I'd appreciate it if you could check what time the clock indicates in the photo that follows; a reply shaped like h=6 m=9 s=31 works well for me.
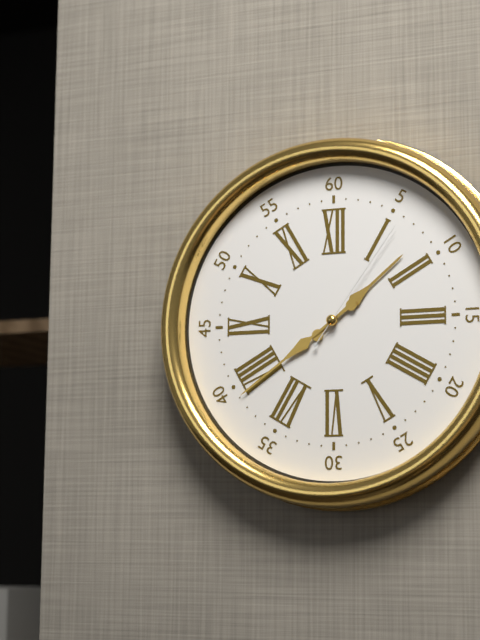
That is h=1 m=39 s=6
